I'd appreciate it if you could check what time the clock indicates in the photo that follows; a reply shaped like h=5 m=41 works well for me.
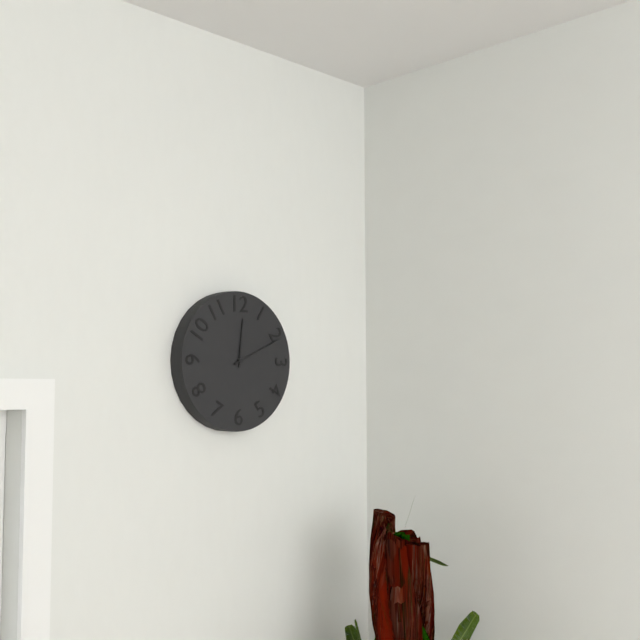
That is h=12 m=11
